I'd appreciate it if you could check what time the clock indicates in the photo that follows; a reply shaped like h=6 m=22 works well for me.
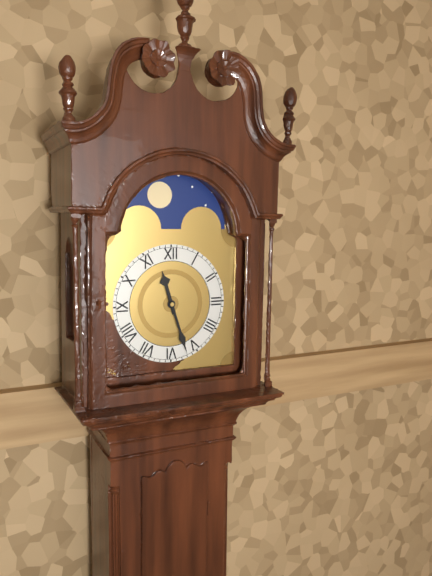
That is h=11 m=27
